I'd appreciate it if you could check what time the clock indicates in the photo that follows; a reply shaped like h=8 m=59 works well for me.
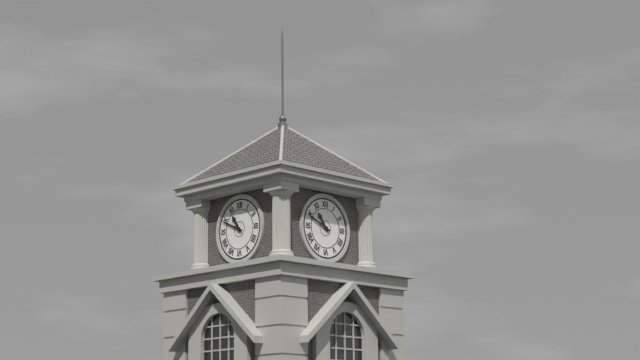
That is h=10 m=49
